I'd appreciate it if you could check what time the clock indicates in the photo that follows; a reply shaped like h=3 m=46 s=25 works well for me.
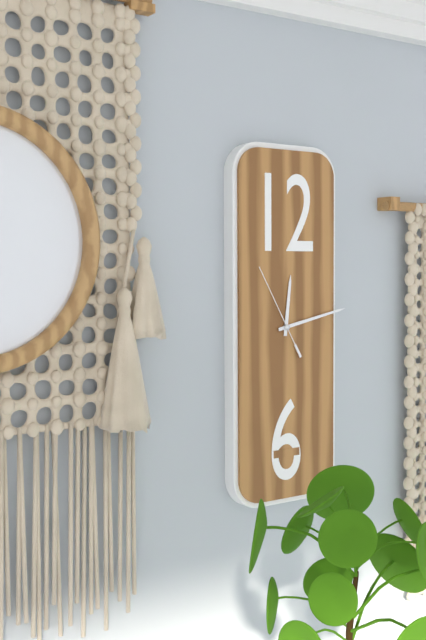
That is h=12 m=13 s=55
